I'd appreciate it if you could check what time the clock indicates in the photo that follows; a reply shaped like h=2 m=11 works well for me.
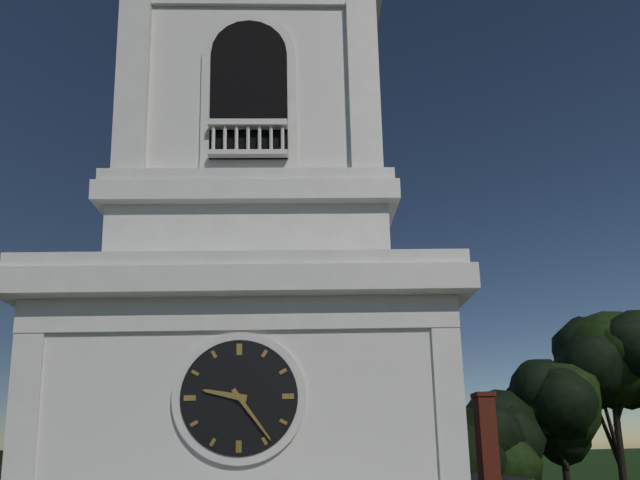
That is h=9 m=24
